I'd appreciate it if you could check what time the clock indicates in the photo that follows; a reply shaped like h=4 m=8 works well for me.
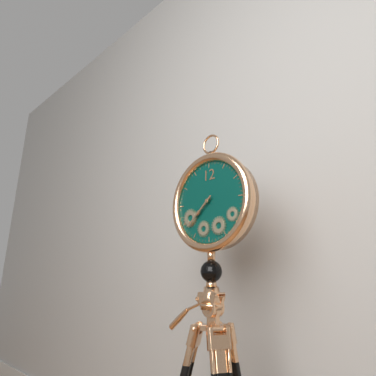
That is h=7 m=38
